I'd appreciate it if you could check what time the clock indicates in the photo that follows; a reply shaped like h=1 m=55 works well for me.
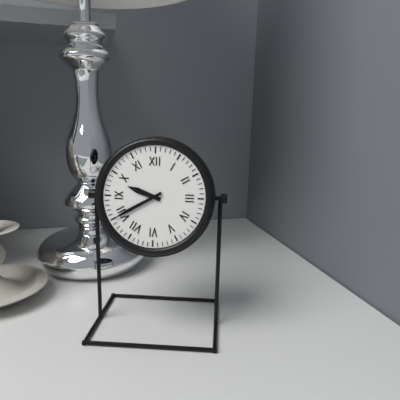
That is h=9 m=40
